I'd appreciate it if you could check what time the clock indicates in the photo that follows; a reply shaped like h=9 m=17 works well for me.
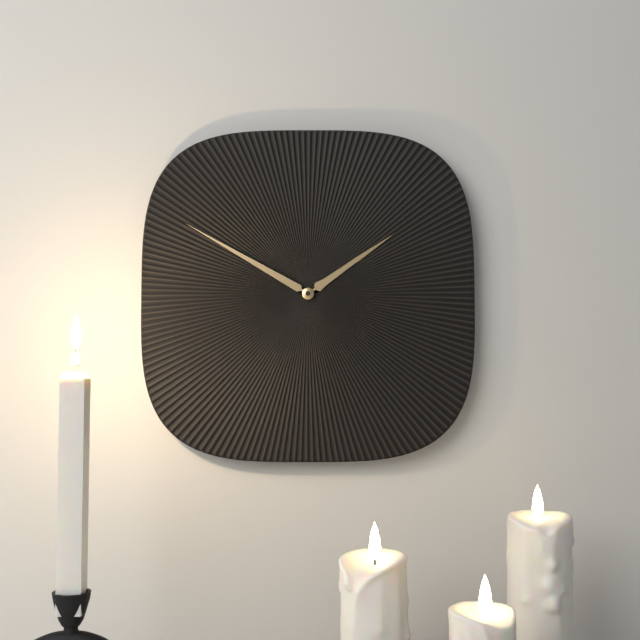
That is h=1 m=50
